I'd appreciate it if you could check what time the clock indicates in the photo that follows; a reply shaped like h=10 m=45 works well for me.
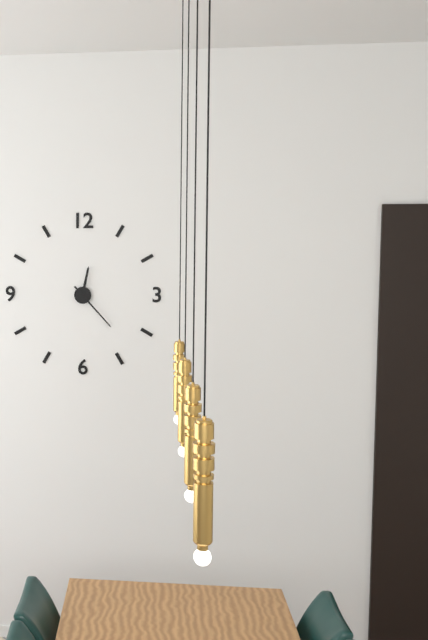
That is h=12 m=23
